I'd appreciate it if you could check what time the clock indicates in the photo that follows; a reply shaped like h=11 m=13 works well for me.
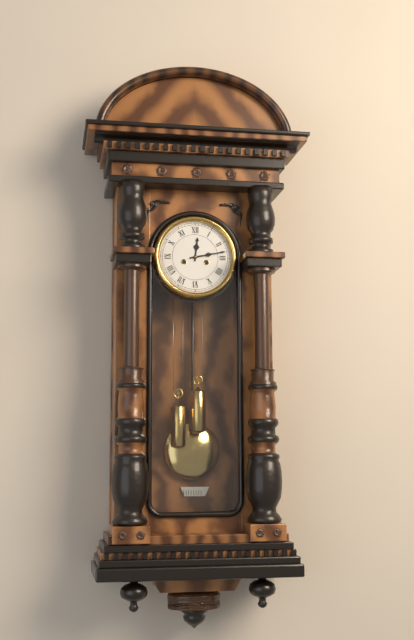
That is h=12 m=13
